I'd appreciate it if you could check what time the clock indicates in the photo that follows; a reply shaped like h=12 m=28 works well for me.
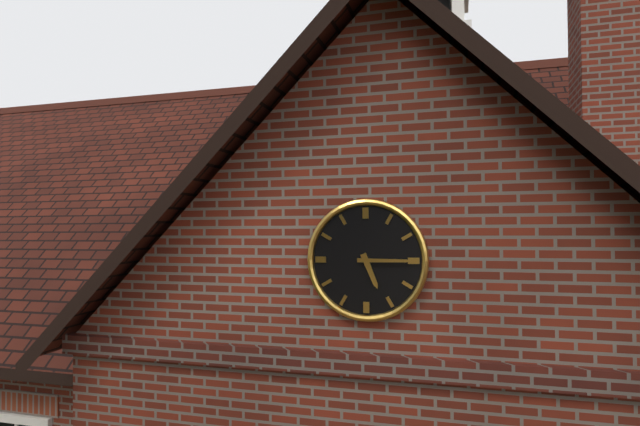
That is h=5 m=15
